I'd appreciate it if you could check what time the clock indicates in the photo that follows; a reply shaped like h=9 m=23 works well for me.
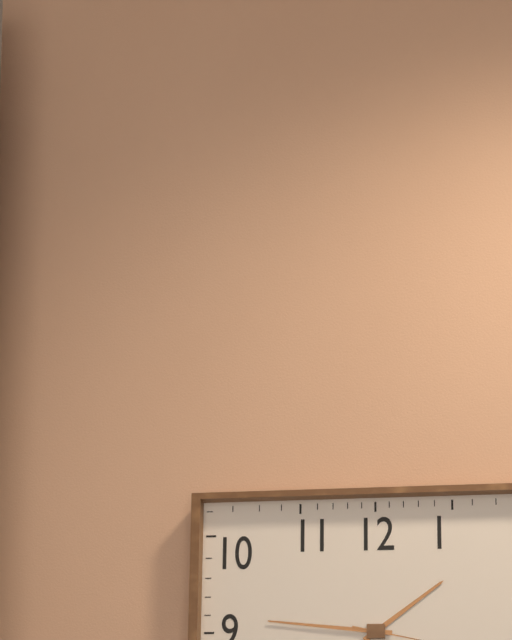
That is h=1 m=46
